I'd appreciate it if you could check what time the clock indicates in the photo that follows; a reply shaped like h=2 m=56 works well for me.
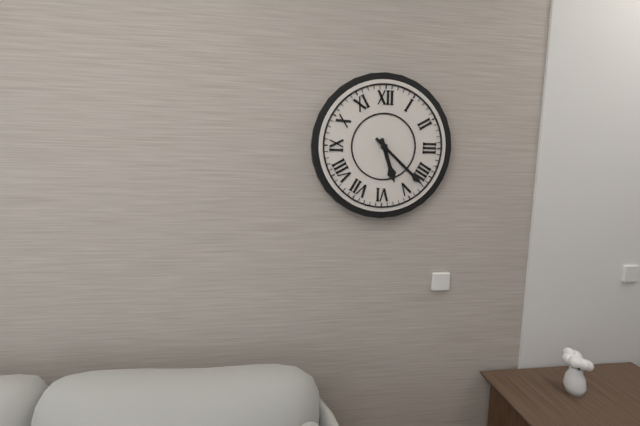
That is h=5 m=22
